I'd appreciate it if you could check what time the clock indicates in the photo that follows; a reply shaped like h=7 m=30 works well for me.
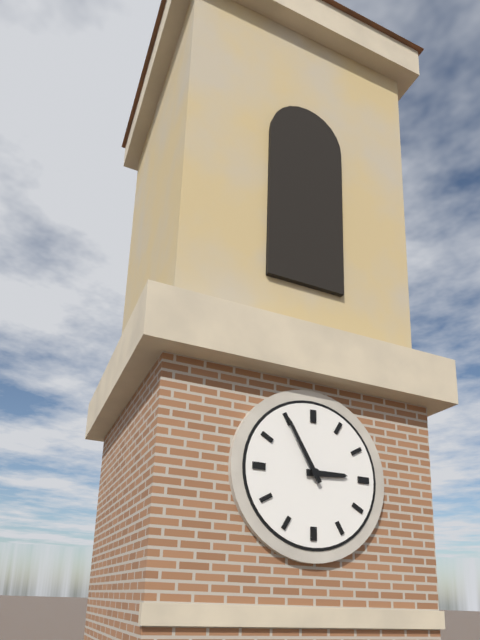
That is h=2 m=55
